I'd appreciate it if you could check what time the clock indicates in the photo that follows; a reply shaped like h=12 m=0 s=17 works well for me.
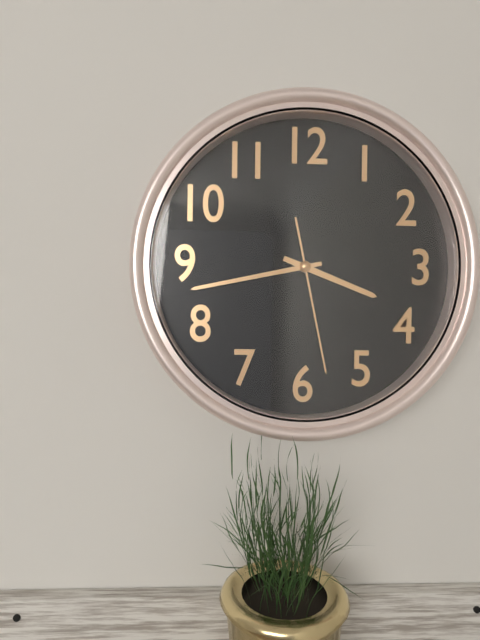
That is h=3 m=43 s=28
